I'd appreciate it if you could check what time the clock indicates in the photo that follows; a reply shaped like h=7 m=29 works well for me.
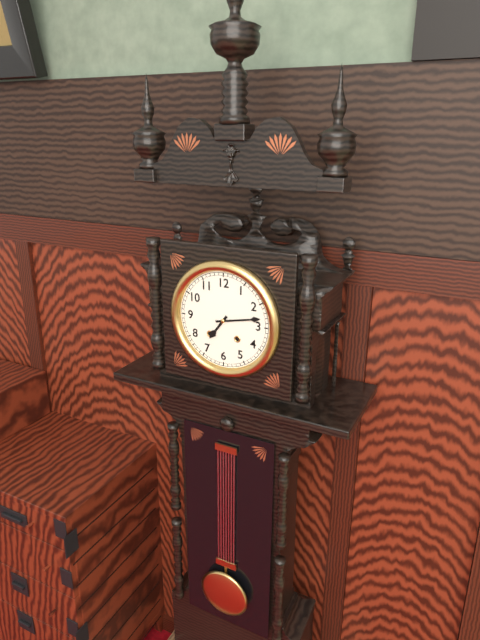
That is h=7 m=13
